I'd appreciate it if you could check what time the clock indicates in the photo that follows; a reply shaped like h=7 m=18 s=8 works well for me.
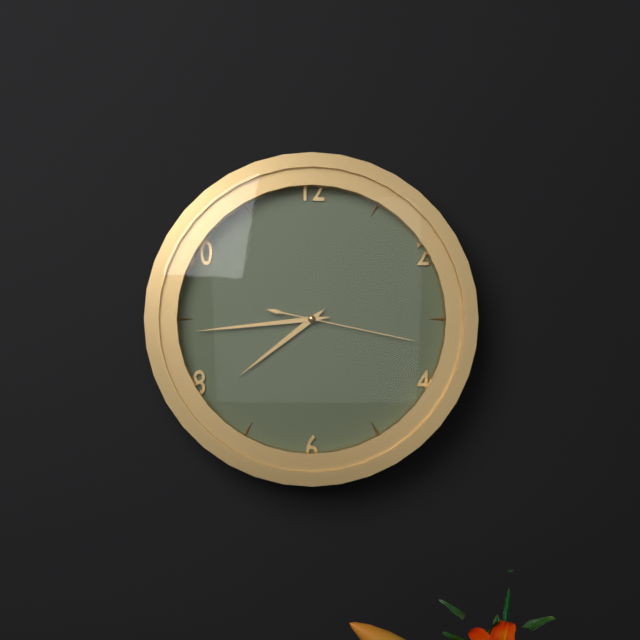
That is h=7 m=44 s=17
